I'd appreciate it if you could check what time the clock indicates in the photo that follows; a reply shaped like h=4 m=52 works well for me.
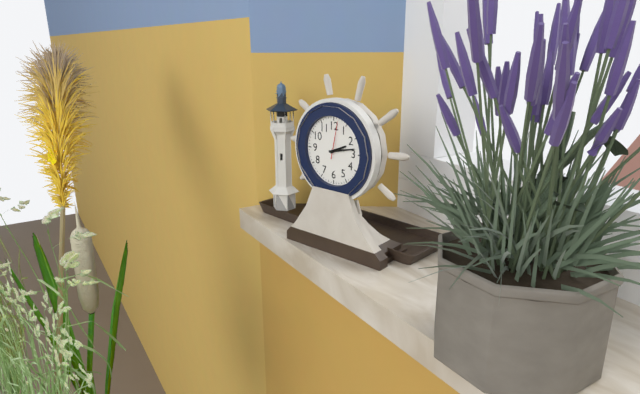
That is h=2 m=13
